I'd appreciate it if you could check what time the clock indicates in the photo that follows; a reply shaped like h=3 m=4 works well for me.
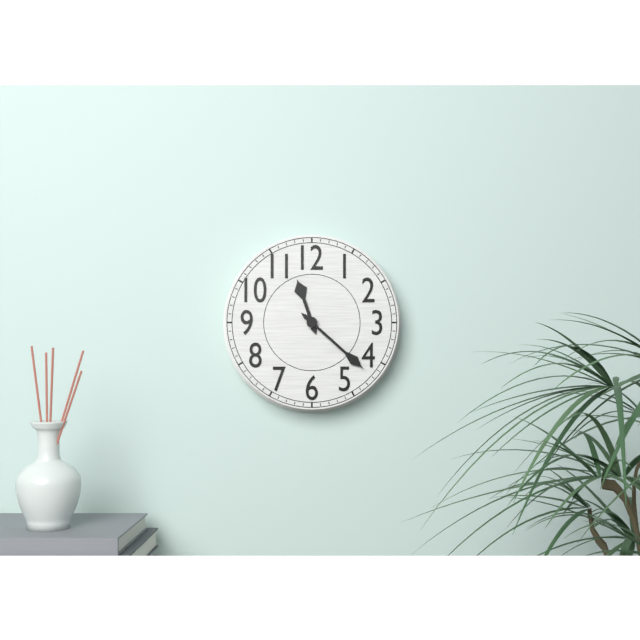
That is h=11 m=22
